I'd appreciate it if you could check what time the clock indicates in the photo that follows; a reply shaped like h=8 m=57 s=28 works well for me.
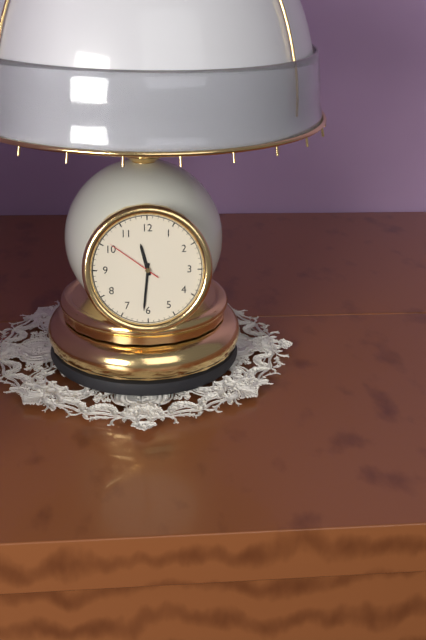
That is h=11 m=31 s=51
